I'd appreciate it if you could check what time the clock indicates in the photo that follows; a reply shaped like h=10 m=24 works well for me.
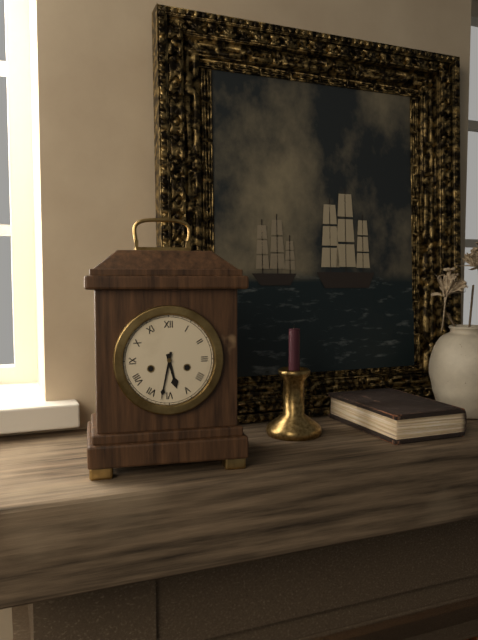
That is h=5 m=32
